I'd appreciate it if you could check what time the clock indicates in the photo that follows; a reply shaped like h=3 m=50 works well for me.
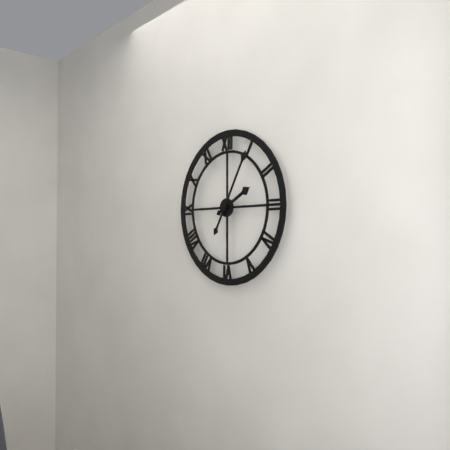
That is h=2 m=5
